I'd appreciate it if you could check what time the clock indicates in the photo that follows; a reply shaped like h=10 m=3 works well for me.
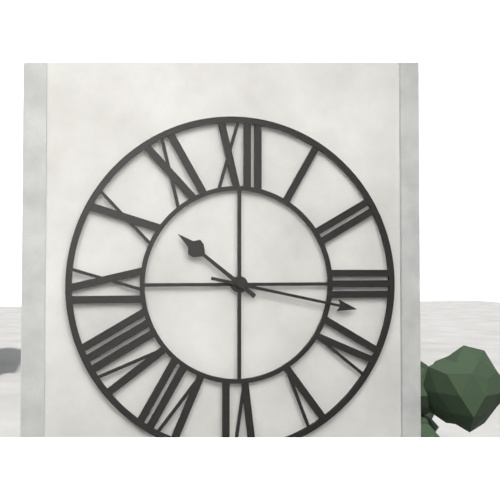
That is h=10 m=17
